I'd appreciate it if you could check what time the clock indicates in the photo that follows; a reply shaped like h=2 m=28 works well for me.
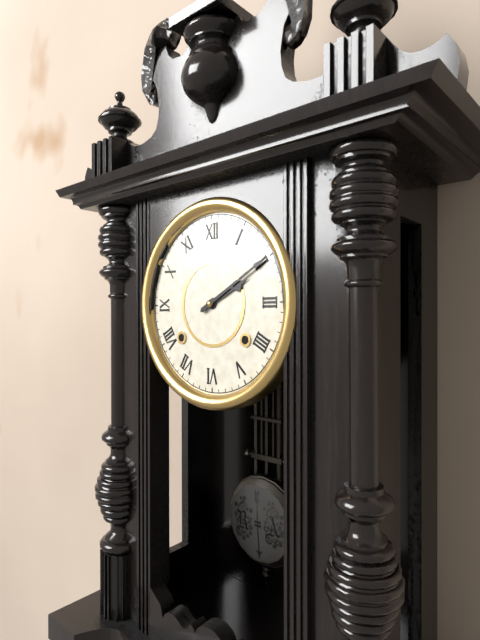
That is h=2 m=10
